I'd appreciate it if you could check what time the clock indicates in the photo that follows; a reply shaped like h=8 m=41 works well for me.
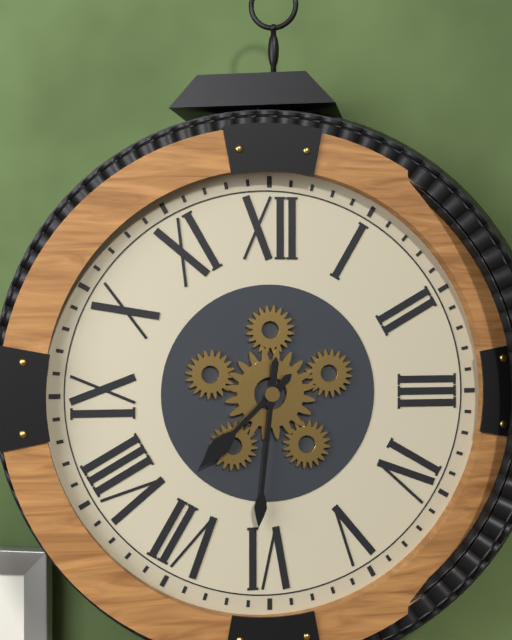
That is h=7 m=31
